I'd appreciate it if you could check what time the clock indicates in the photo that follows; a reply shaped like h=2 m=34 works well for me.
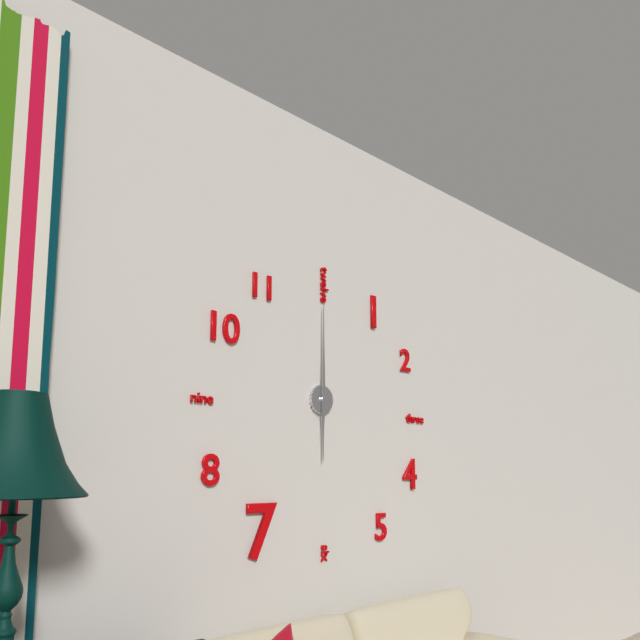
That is h=6 m=0
